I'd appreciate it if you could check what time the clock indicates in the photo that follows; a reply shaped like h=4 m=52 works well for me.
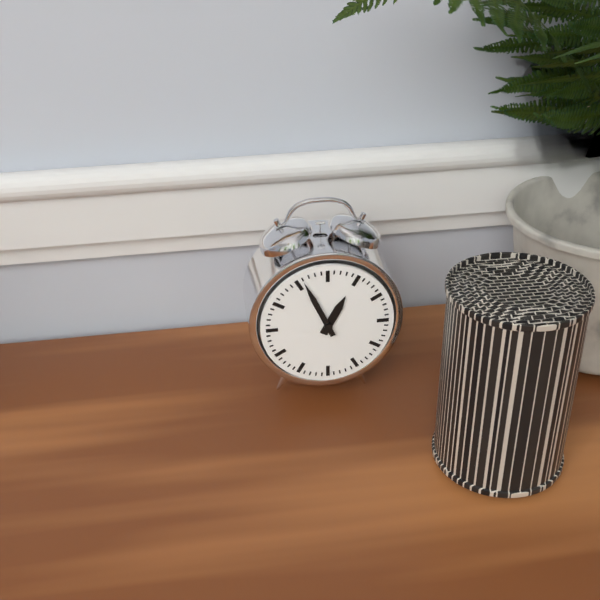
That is h=12 m=56
